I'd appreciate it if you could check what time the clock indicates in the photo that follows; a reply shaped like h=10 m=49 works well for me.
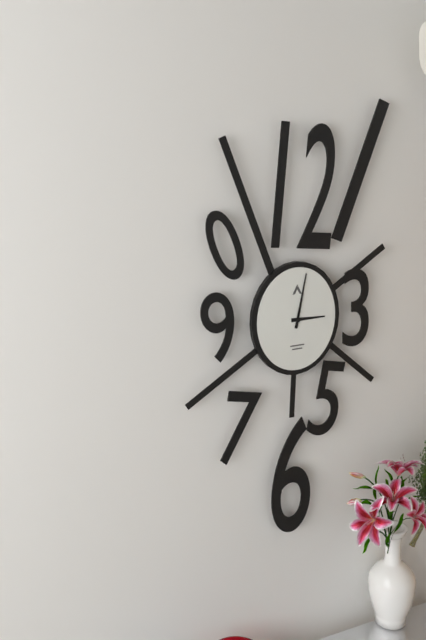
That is h=3 m=2
